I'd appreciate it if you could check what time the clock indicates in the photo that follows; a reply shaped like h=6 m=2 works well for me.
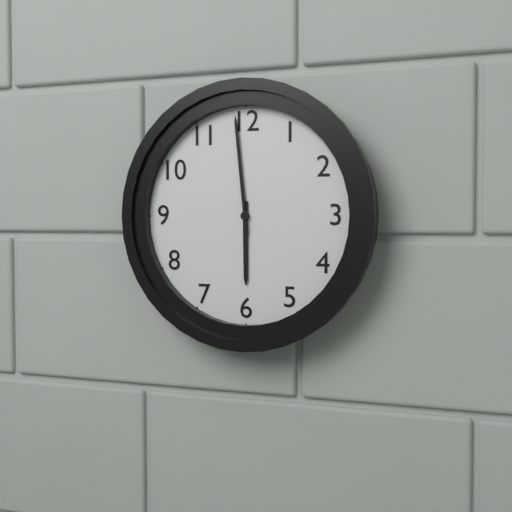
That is h=5 m=59
